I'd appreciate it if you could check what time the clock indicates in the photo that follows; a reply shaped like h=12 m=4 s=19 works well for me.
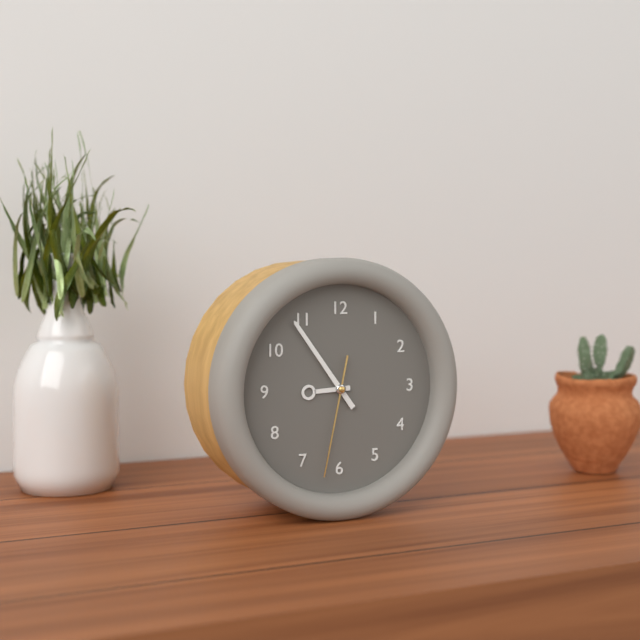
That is h=8 m=54 s=32
